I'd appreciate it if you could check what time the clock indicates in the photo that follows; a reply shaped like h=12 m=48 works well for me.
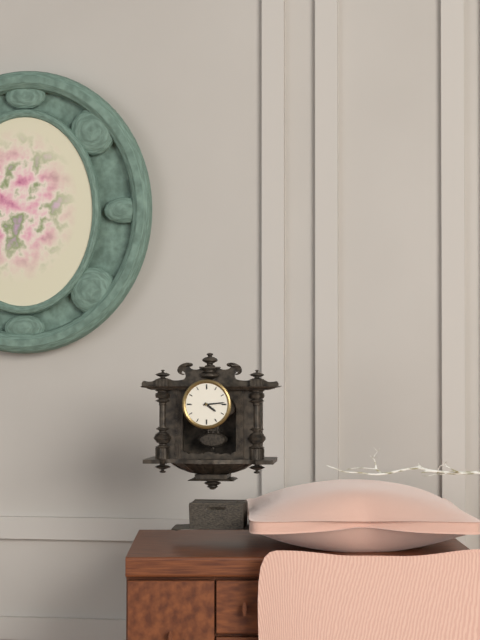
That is h=4 m=14
